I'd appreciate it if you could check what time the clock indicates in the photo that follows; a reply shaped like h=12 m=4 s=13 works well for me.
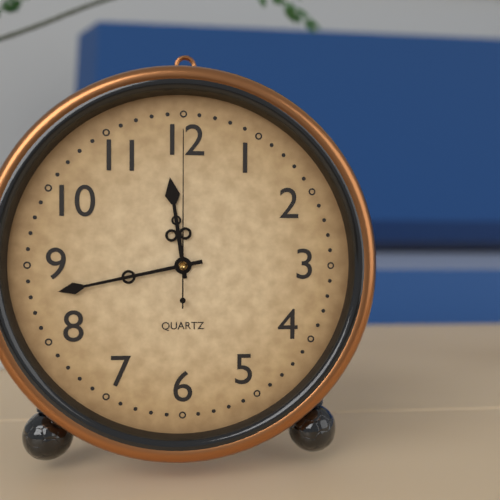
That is h=11 m=43 s=0
